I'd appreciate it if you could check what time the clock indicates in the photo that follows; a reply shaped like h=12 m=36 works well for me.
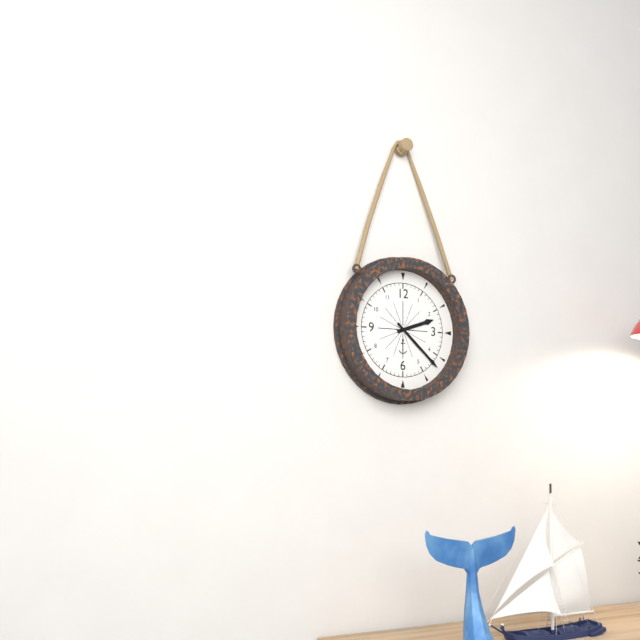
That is h=2 m=22
